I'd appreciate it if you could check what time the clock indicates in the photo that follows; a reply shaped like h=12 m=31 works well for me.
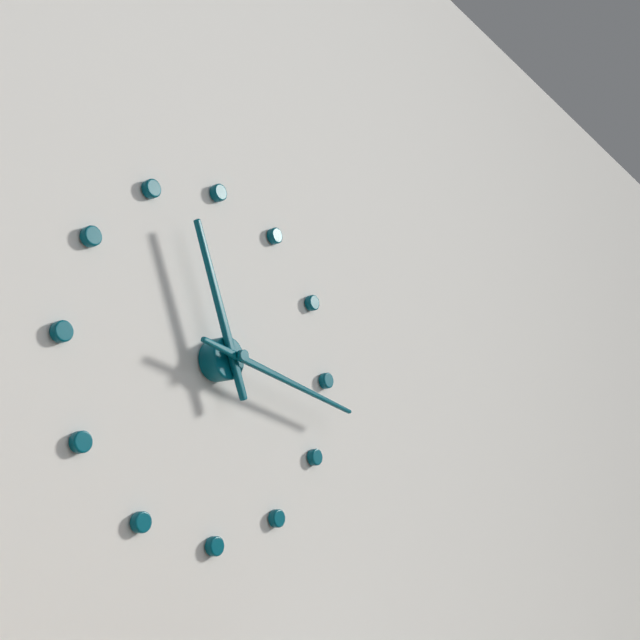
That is h=11 m=17
